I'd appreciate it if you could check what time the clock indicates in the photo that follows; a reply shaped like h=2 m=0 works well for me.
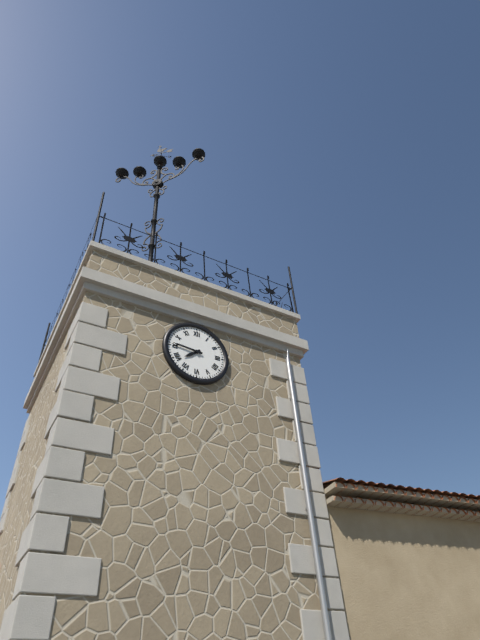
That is h=7 m=46
